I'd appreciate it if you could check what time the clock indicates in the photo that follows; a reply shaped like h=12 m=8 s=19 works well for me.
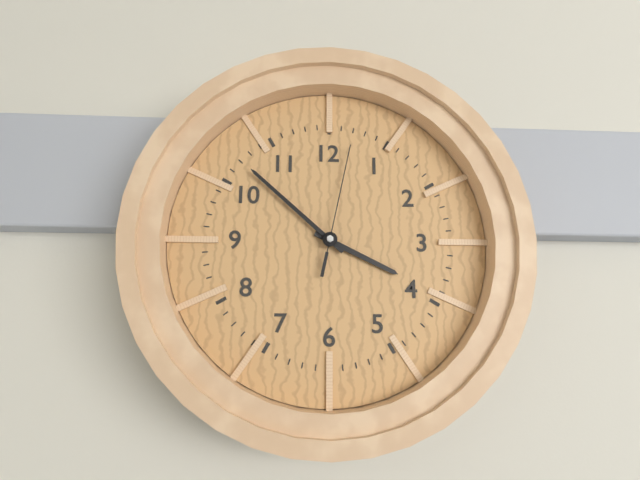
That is h=3 m=52 s=2
